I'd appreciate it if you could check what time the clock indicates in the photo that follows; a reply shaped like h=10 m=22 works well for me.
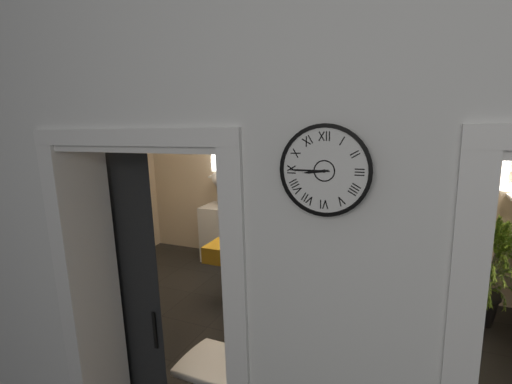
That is h=8 m=45
